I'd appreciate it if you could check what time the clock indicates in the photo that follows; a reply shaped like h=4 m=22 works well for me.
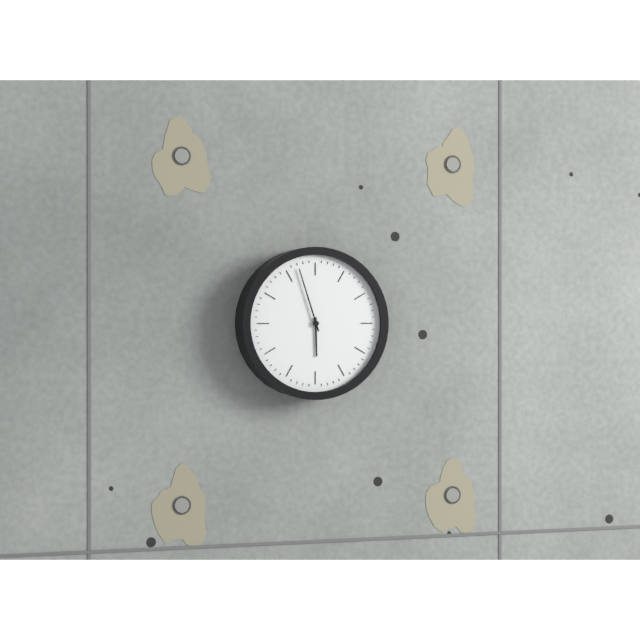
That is h=5 m=57
